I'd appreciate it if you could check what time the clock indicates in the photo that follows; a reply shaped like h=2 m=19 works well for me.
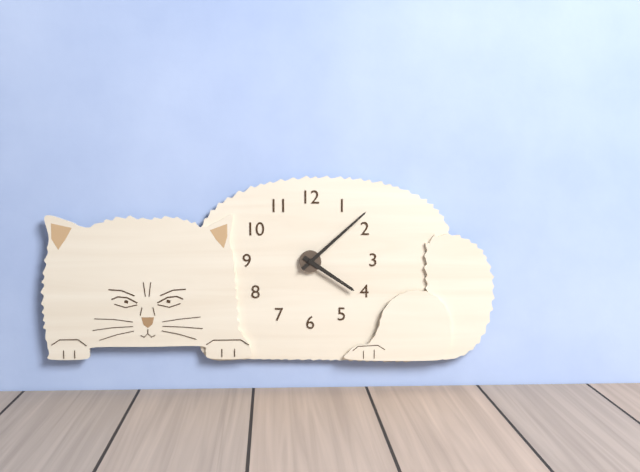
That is h=4 m=8
